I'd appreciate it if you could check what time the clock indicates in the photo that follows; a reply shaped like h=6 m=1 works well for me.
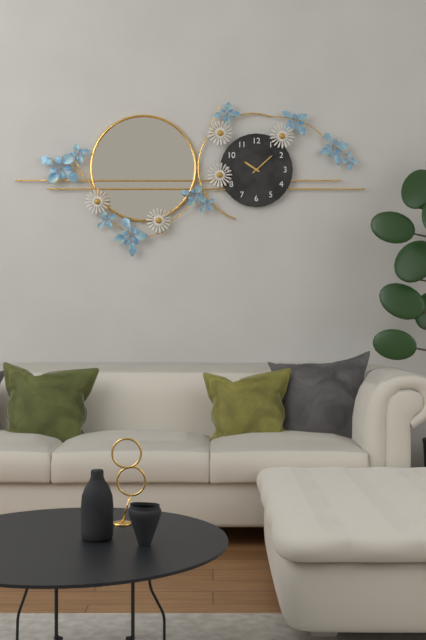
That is h=10 m=8
